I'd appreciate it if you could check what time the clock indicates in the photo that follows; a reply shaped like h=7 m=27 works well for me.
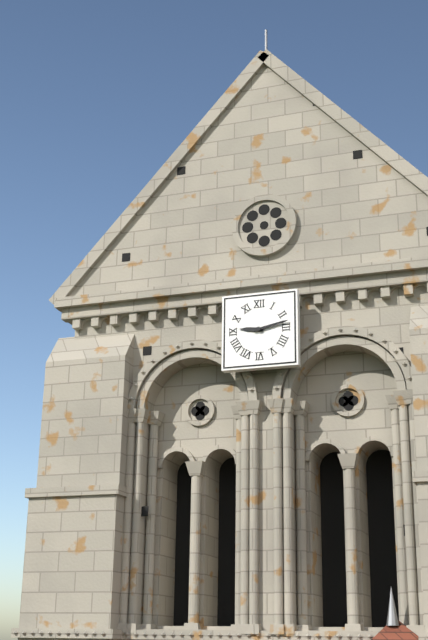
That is h=9 m=13
